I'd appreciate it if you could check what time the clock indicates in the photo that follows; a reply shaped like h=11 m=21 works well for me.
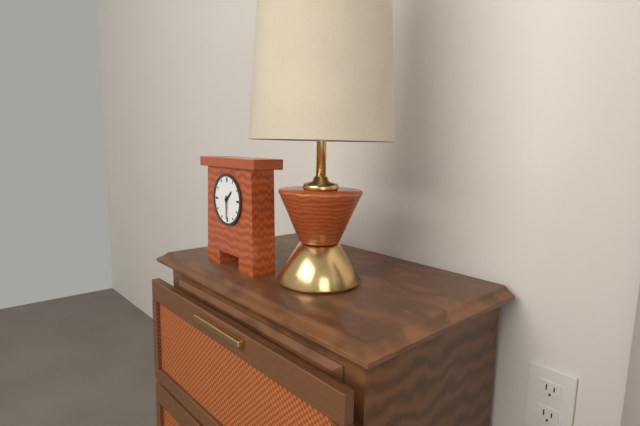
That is h=1 m=30
